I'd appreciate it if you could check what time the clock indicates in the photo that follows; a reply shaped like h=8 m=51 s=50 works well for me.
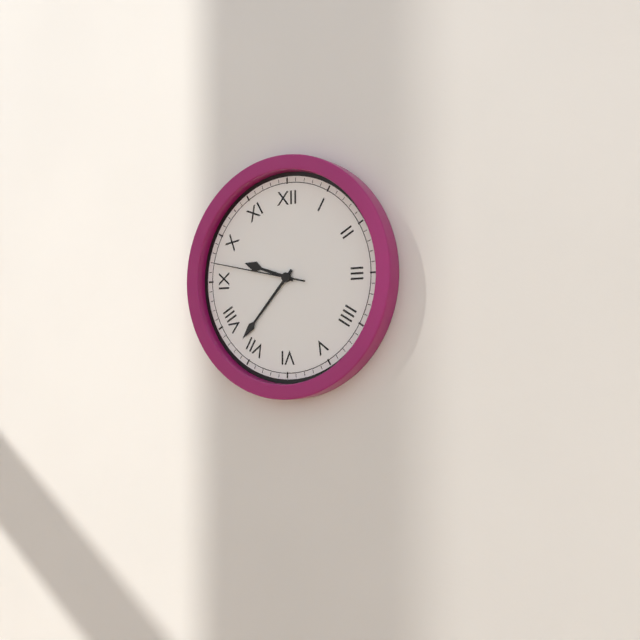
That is h=9 m=37 s=47
